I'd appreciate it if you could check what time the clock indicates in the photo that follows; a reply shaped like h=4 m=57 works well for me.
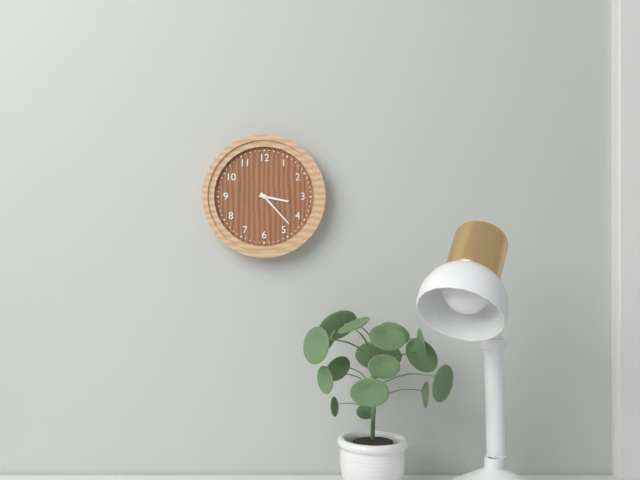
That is h=3 m=23
